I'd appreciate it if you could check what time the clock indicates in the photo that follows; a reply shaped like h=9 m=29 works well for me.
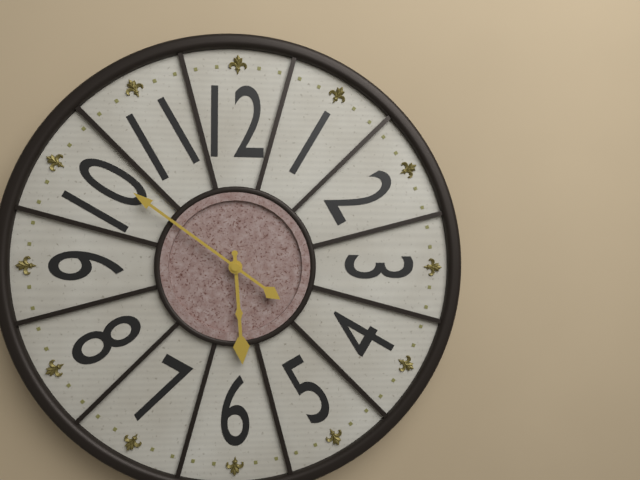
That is h=5 m=51
